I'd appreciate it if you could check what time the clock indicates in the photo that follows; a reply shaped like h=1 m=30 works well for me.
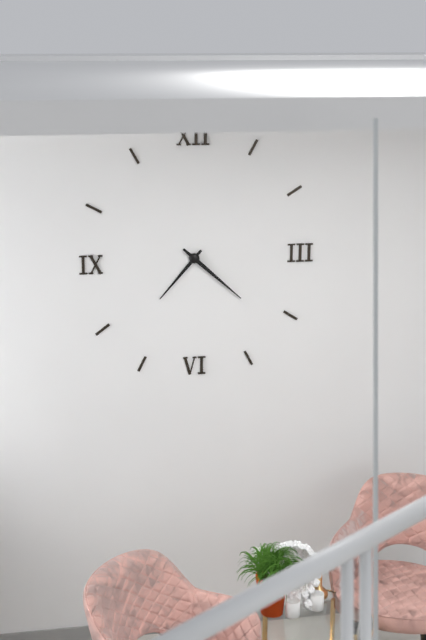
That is h=7 m=22
